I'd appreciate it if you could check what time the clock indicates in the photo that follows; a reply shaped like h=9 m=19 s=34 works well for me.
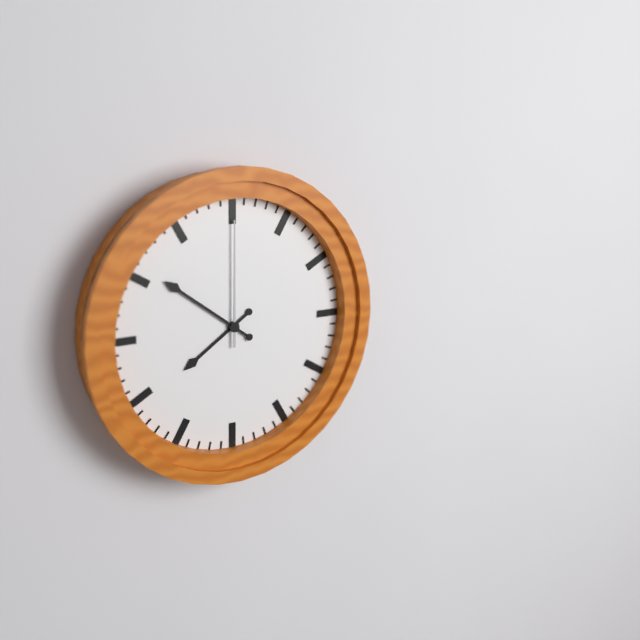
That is h=7 m=51 s=0
